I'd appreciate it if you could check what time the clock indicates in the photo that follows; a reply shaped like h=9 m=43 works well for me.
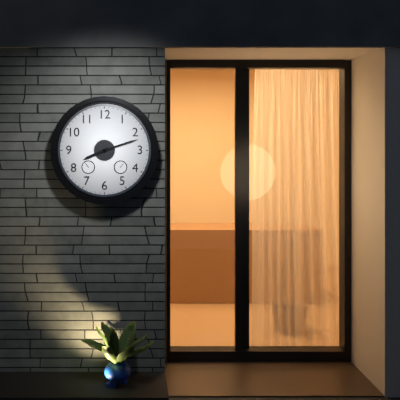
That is h=8 m=12
